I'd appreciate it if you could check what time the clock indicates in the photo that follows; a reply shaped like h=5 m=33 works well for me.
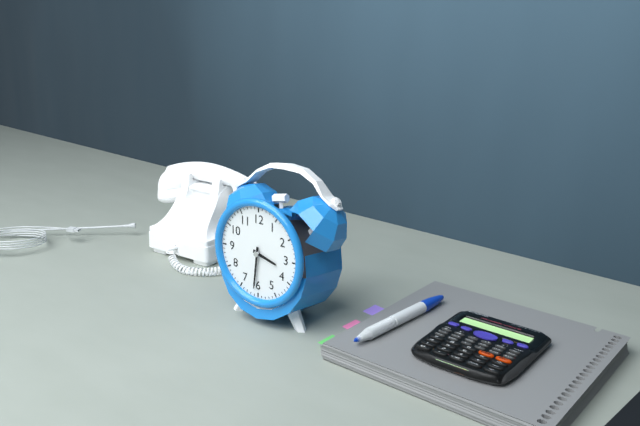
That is h=3 m=31
